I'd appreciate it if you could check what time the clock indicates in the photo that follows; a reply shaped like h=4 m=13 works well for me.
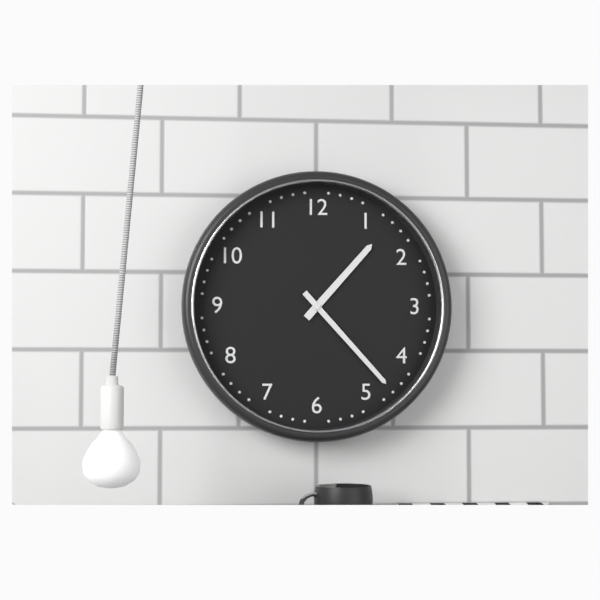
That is h=1 m=23
